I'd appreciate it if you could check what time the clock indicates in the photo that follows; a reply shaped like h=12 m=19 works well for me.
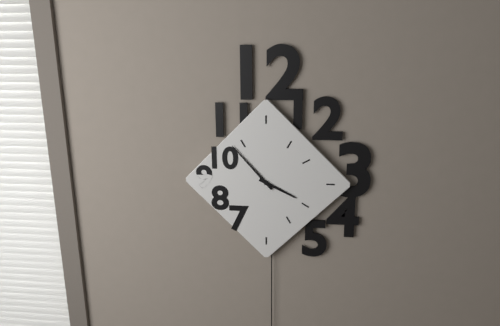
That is h=3 m=53
